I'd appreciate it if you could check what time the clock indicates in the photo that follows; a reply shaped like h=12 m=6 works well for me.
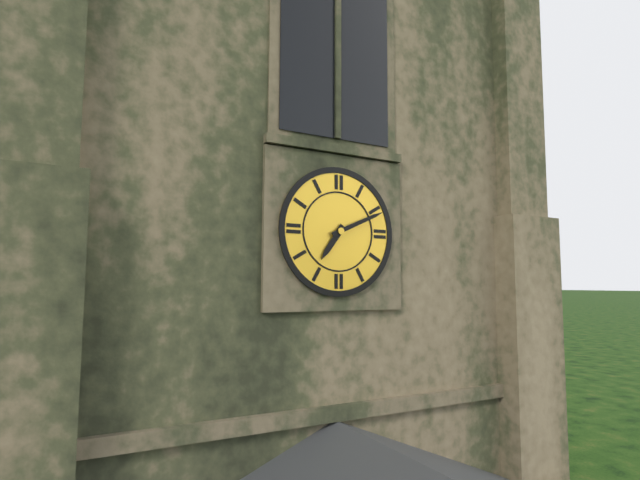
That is h=7 m=11
